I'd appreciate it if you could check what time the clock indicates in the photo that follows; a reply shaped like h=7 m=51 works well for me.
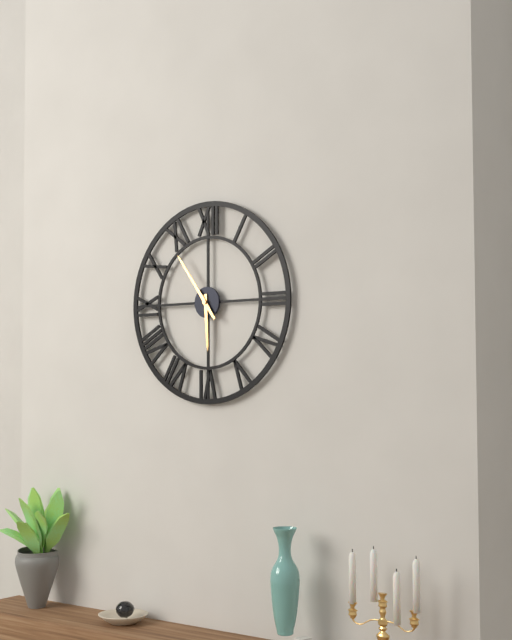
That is h=5 m=54
